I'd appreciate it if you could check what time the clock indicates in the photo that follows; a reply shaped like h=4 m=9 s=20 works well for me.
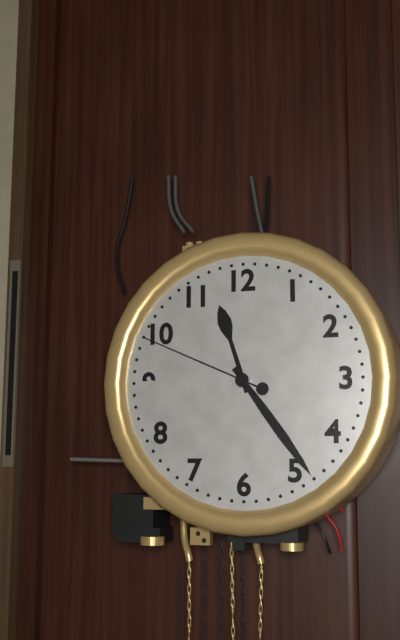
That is h=11 m=24 s=49
